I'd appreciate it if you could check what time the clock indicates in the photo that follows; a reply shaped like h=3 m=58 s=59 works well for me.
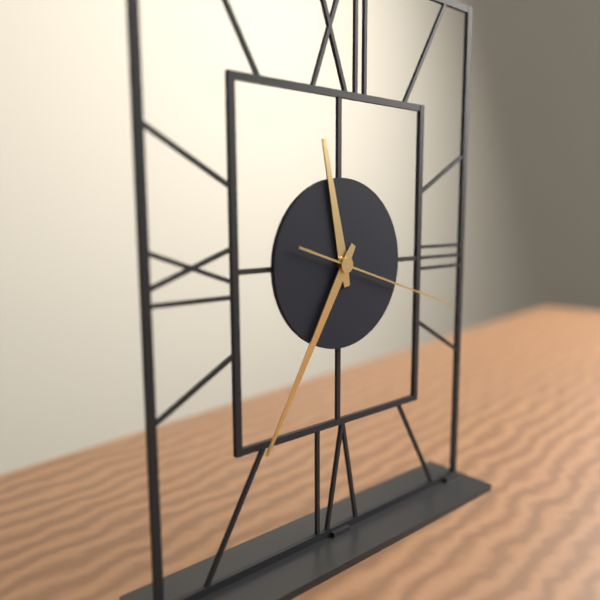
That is h=11 m=35 s=18
